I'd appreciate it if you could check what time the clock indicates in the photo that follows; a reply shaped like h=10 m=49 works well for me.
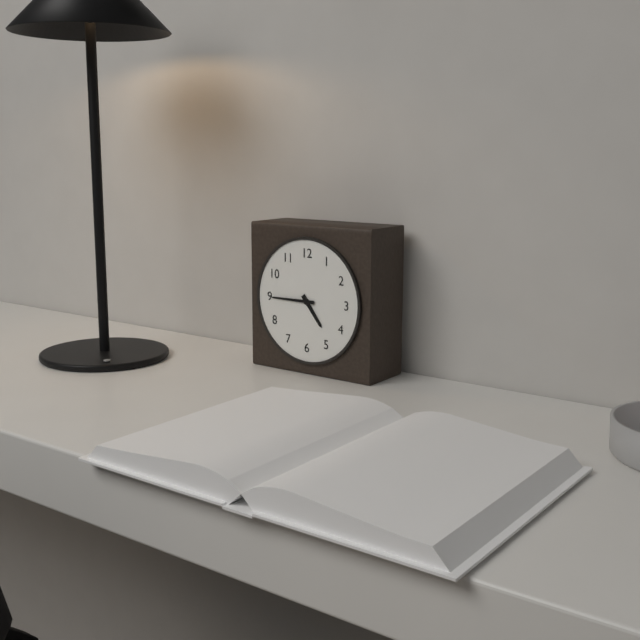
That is h=4 m=45
